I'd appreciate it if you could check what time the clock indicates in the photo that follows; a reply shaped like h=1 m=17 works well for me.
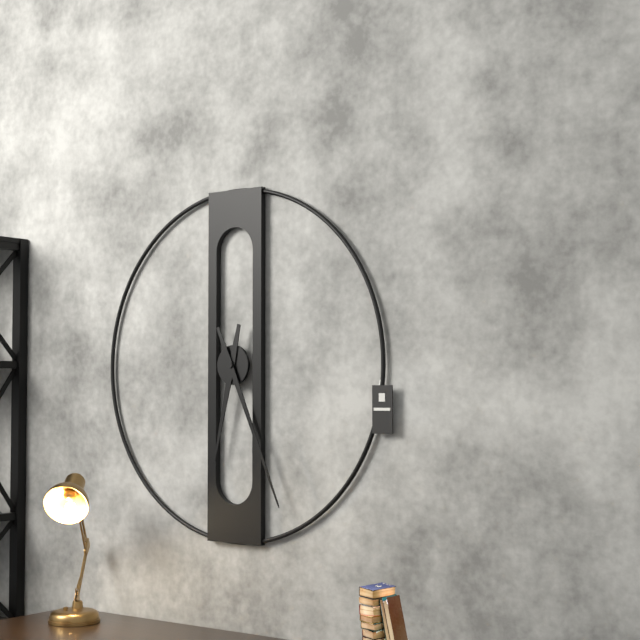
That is h=6 m=26
